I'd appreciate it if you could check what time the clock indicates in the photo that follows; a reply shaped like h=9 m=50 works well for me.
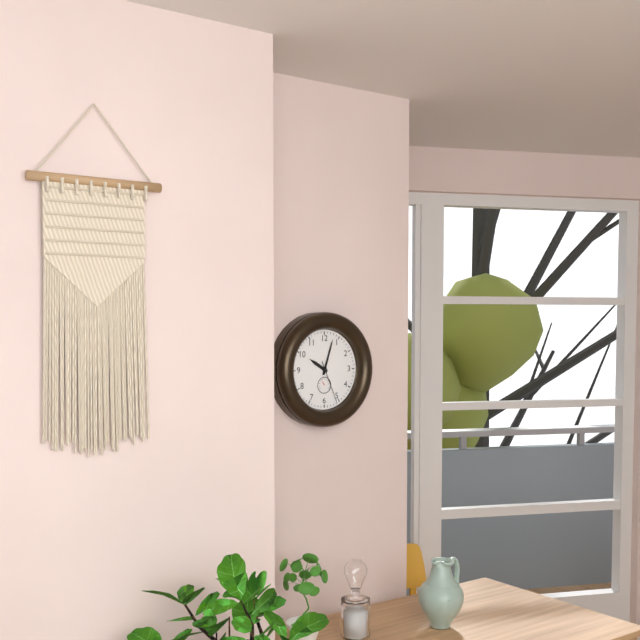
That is h=10 m=3
